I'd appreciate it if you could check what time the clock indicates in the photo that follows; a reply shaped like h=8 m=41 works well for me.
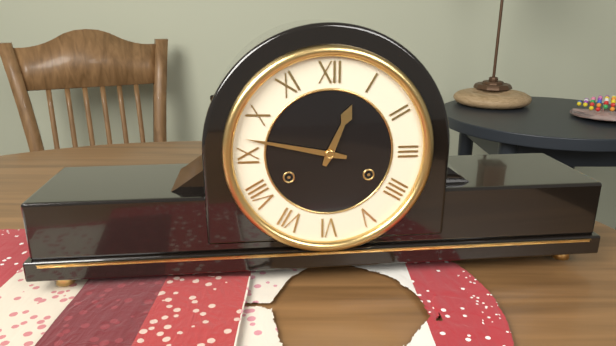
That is h=12 m=47
